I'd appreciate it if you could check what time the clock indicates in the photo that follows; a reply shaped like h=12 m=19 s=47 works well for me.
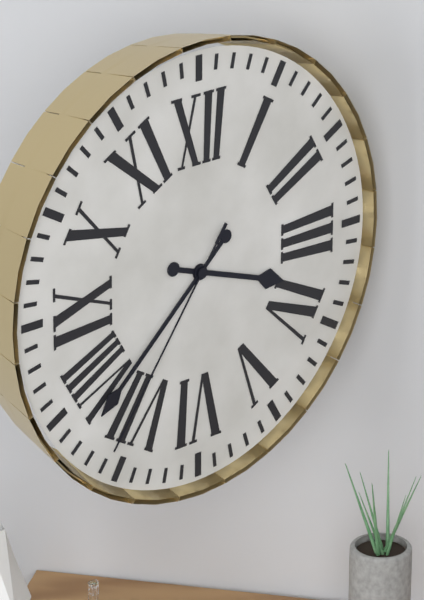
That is h=3 m=38 s=36
